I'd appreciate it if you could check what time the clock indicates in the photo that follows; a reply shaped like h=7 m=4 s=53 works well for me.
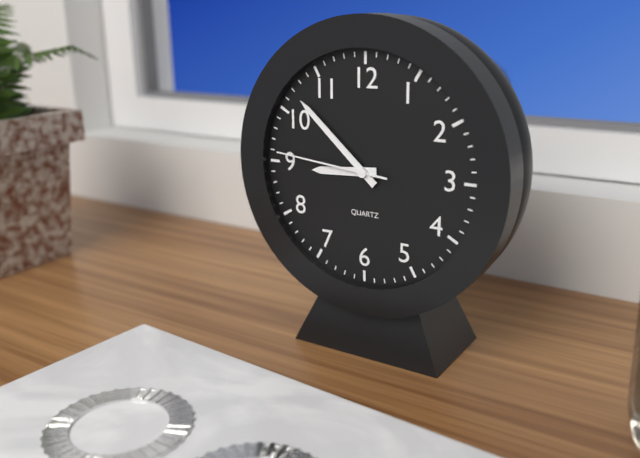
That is h=8 m=52 s=46
